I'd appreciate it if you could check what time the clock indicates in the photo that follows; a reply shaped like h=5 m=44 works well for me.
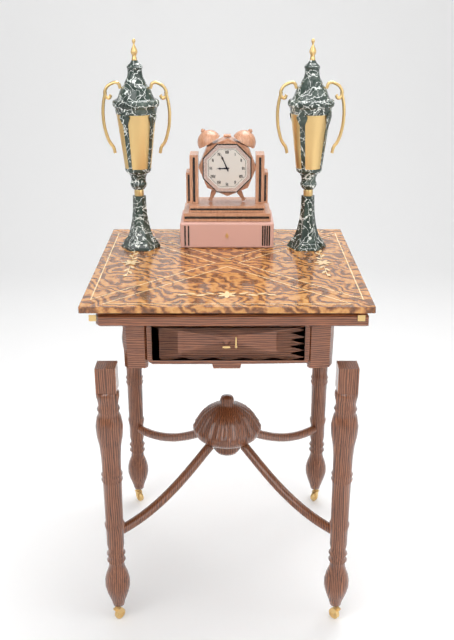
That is h=8 m=56
